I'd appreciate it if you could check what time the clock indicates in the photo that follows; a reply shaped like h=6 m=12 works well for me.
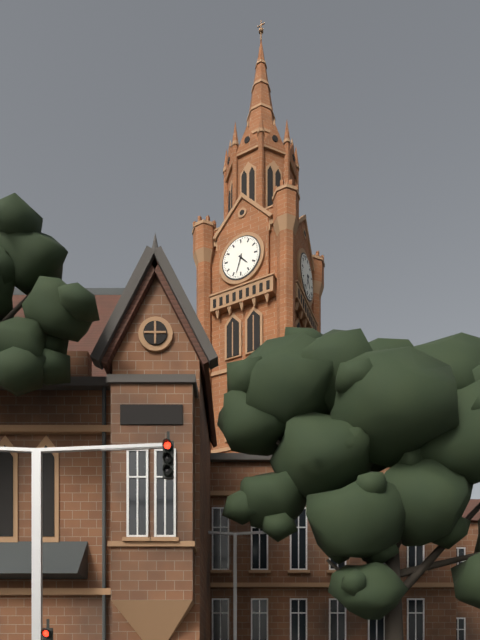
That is h=4 m=33
